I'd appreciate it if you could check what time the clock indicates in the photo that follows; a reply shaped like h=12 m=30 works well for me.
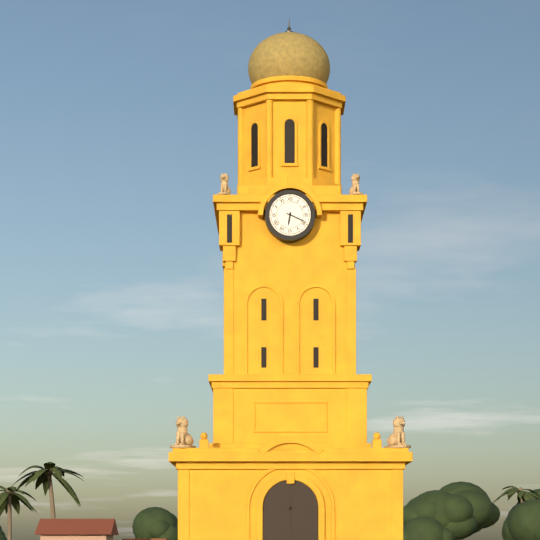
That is h=6 m=19
